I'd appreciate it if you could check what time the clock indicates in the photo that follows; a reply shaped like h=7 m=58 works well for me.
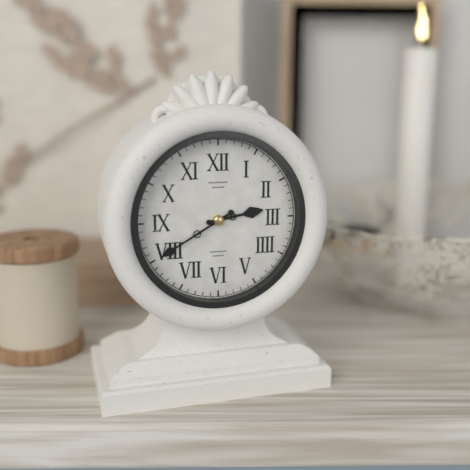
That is h=2 m=40
